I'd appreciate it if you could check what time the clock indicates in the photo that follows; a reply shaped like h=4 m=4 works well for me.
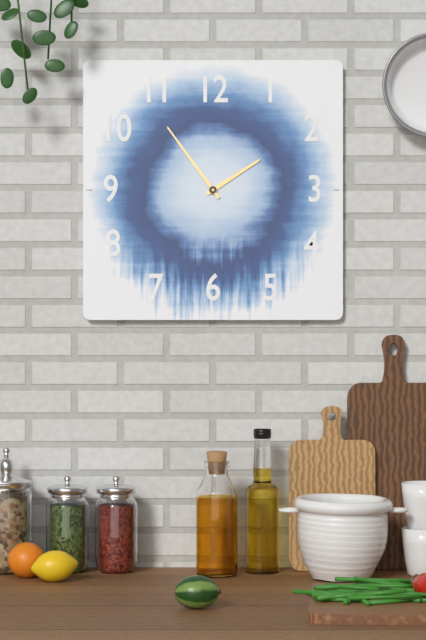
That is h=1 m=54
